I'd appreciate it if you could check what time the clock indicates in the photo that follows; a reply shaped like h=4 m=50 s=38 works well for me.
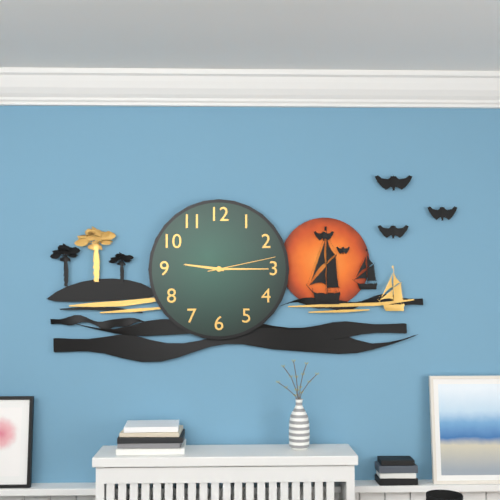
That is h=9 m=15 s=13
